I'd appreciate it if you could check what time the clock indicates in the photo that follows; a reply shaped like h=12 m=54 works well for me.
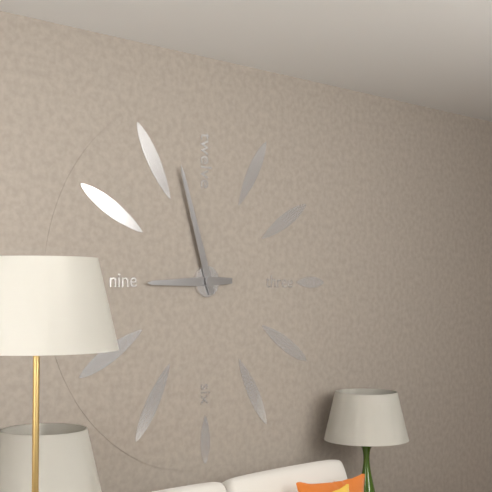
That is h=8 m=57
